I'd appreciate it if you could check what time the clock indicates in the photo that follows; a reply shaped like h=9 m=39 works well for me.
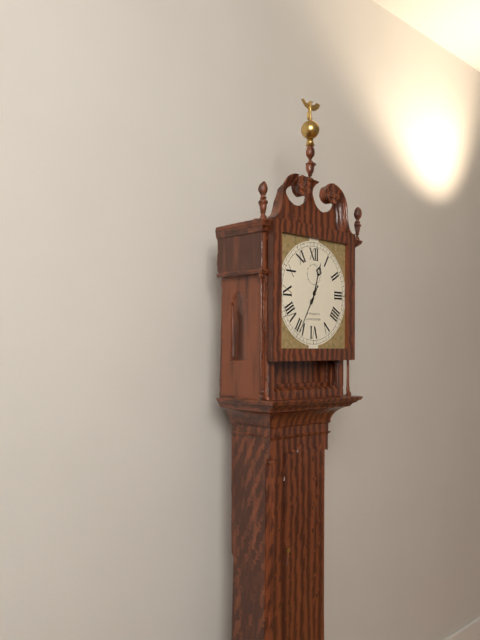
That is h=12 m=35
